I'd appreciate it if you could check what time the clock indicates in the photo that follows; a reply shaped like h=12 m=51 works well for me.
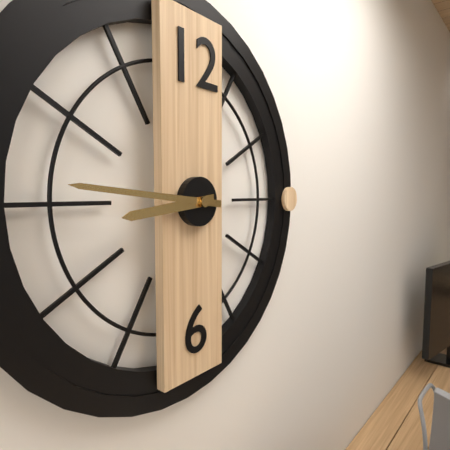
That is h=8 m=46
